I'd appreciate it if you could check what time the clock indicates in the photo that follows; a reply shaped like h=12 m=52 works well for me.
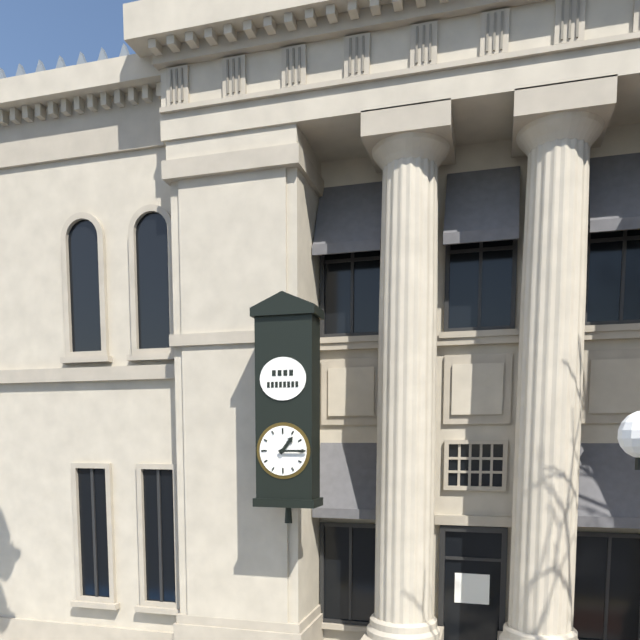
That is h=1 m=15
